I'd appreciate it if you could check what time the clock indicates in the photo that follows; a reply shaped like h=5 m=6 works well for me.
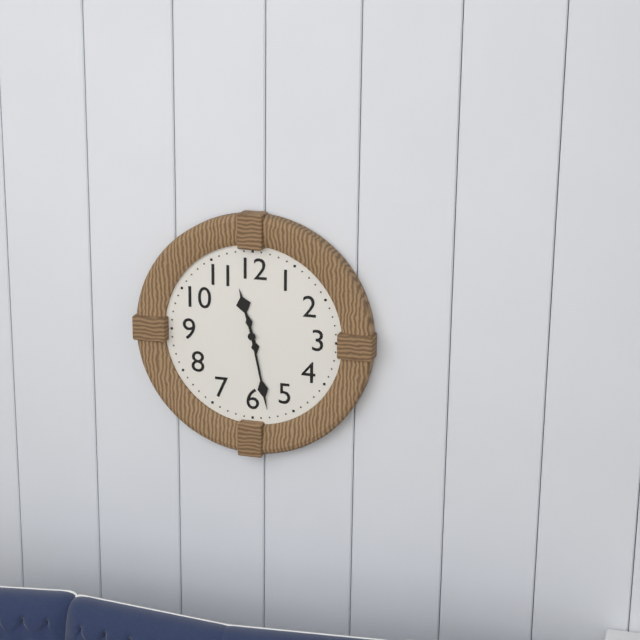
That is h=11 m=28
